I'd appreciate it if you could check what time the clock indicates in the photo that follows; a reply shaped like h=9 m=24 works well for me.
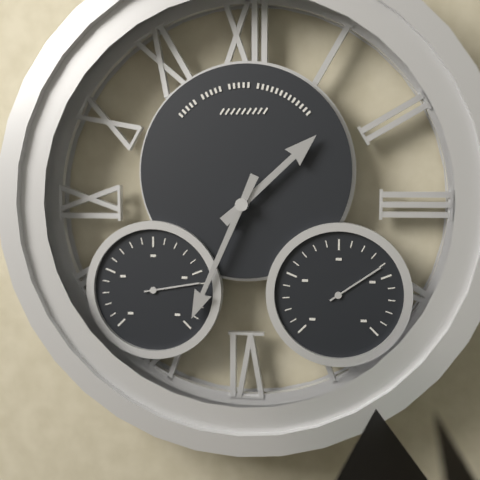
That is h=1 m=34
